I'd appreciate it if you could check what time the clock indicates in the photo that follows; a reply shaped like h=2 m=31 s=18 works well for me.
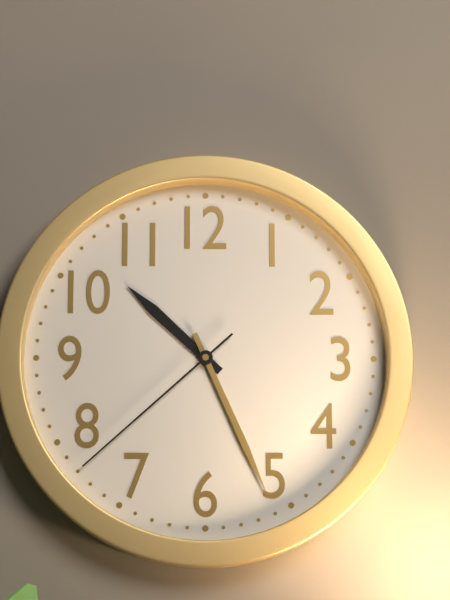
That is h=10 m=26 s=38
